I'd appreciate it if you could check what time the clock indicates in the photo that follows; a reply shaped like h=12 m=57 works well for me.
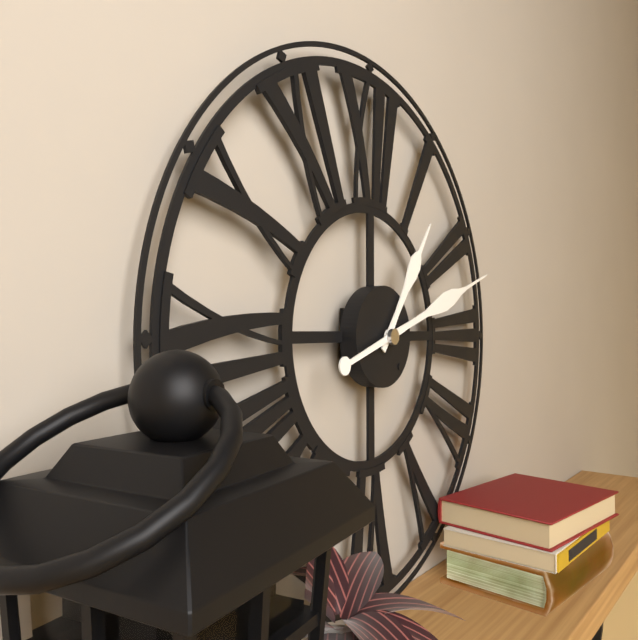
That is h=1 m=12
